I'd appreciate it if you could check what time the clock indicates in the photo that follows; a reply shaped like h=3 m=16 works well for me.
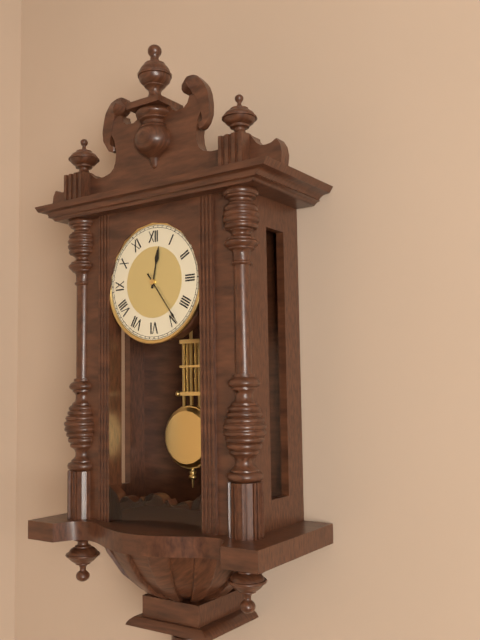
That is h=12 m=24
